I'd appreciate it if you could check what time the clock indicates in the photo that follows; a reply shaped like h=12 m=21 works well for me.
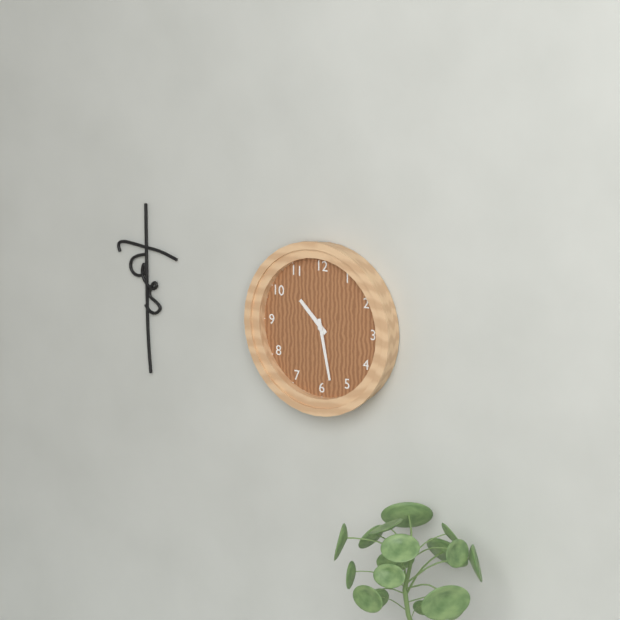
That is h=10 m=28
